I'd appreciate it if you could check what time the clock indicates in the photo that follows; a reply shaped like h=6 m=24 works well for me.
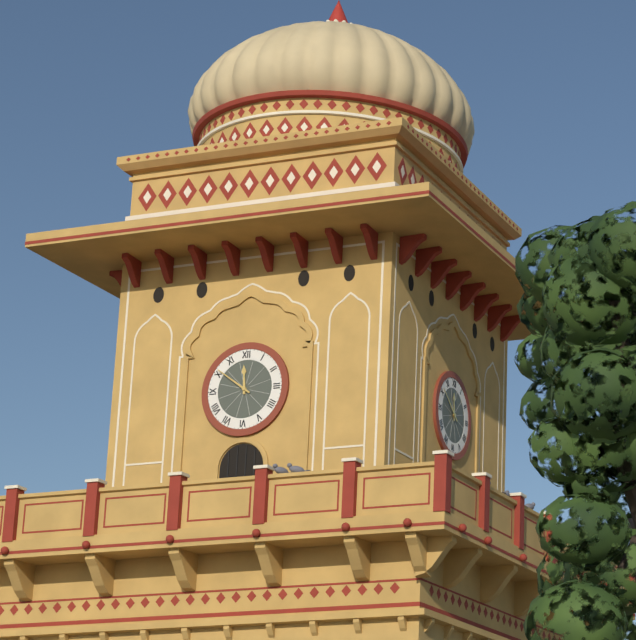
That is h=11 m=51
